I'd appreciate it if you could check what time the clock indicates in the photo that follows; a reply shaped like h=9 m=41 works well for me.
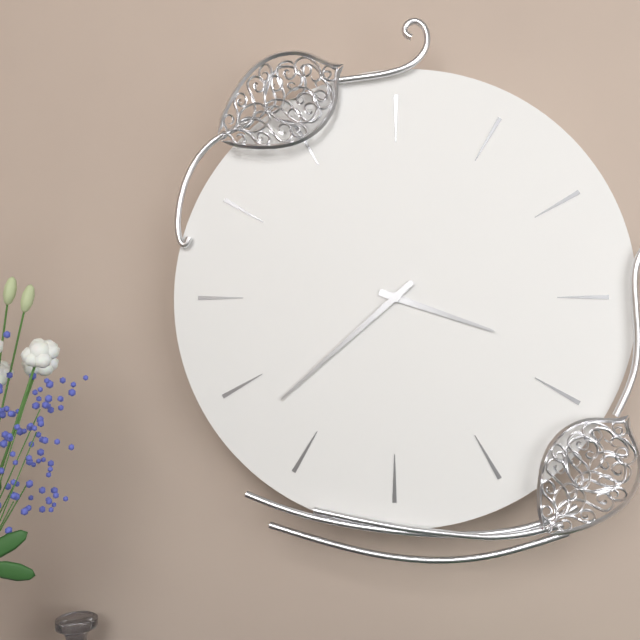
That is h=3 m=38
